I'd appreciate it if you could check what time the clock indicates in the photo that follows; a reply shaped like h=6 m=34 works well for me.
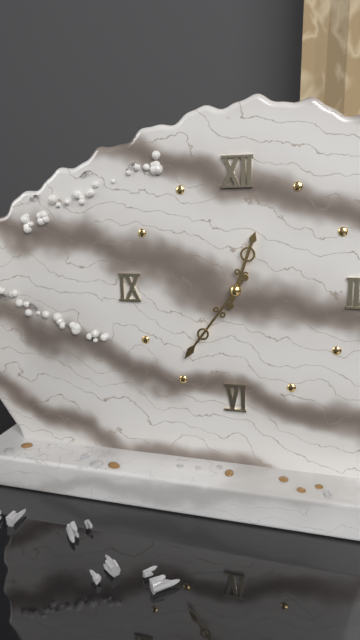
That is h=12 m=36
